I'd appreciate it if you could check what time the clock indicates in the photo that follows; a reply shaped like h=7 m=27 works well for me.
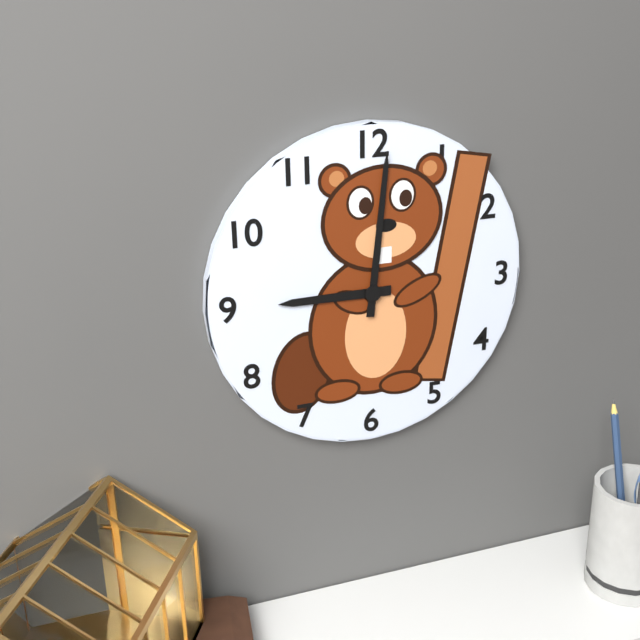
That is h=9 m=1
